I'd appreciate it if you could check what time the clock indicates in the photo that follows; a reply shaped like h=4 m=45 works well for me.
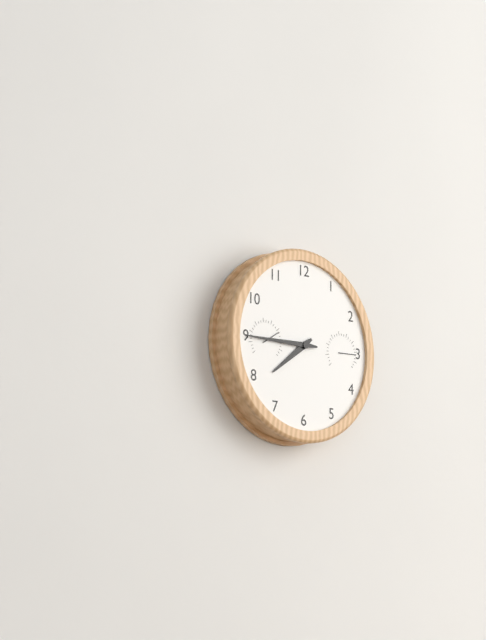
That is h=7 m=45
